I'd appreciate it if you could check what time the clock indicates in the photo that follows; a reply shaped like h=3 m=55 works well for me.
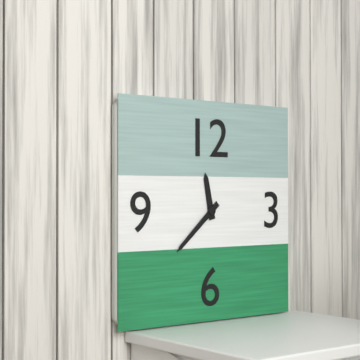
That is h=11 m=38
